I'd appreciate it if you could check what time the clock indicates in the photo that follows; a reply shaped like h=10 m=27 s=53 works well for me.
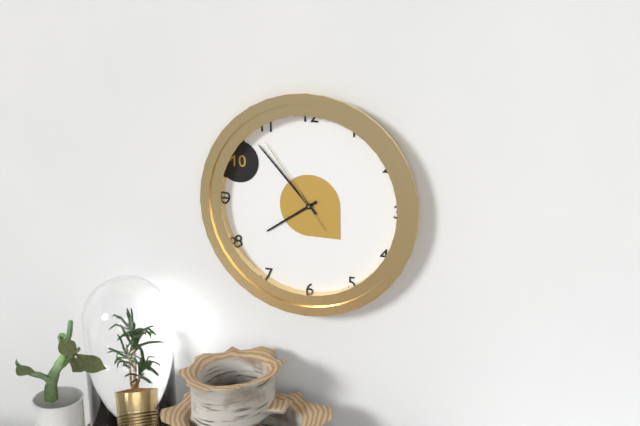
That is h=7 m=53 s=54
